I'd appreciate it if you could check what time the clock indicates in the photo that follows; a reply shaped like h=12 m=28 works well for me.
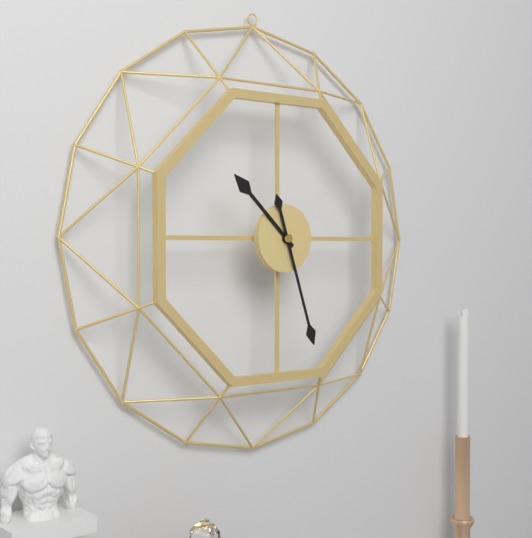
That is h=10 m=27
